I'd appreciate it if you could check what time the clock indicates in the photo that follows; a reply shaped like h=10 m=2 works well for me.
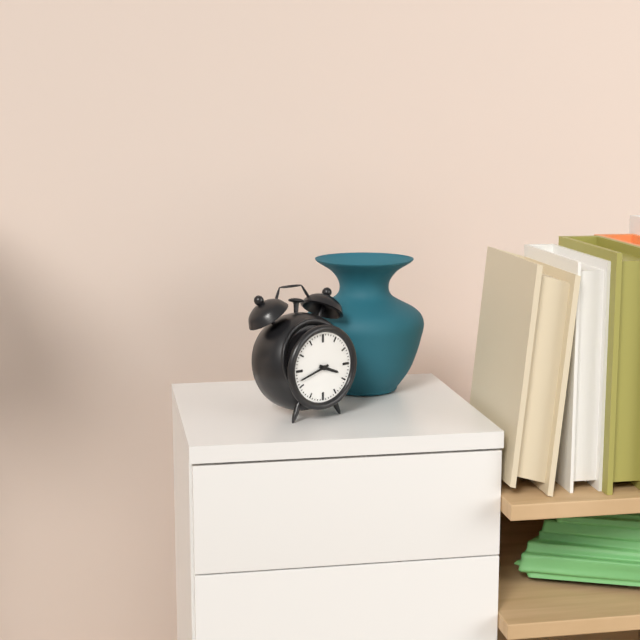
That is h=3 m=42
